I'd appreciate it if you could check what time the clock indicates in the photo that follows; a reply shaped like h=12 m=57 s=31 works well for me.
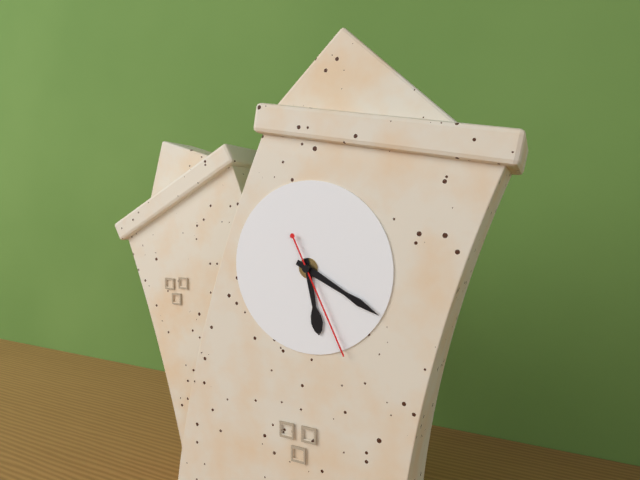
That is h=5 m=18 s=24
